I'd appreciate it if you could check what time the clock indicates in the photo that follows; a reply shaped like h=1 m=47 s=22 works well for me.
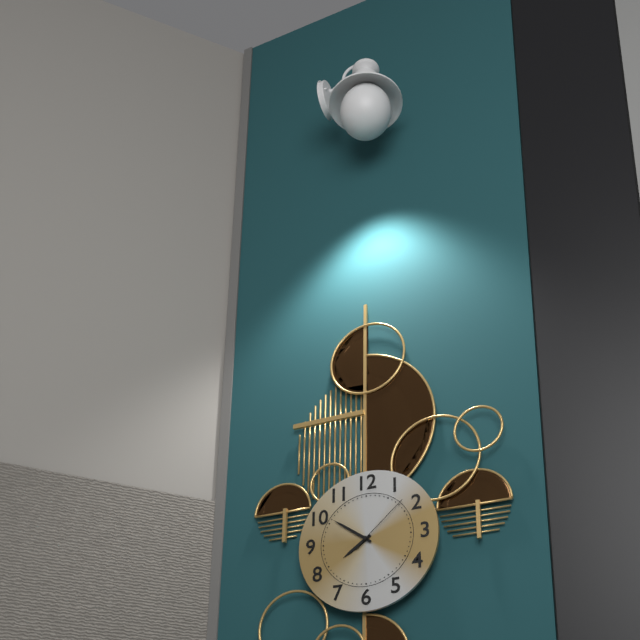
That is h=7 m=51 s=8
